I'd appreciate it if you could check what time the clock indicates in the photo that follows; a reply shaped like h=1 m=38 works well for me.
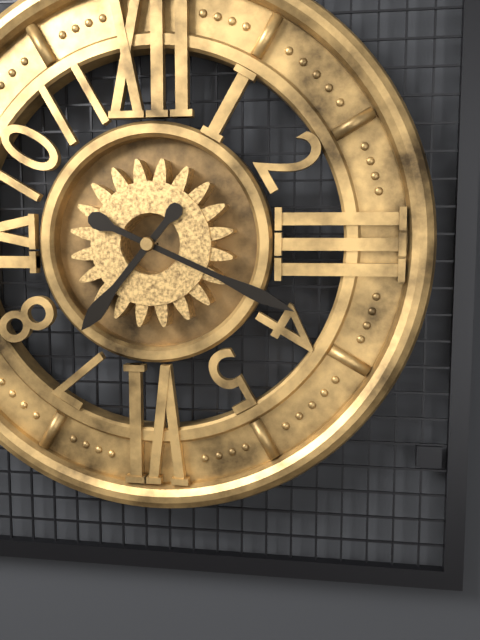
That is h=7 m=19
